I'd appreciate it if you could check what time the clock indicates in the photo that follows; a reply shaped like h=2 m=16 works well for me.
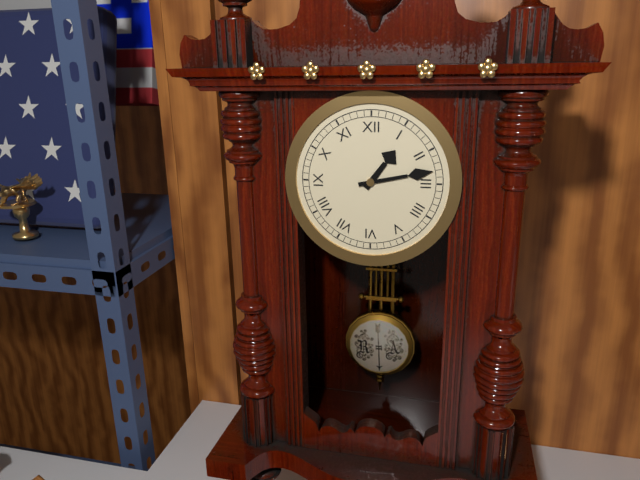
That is h=1 m=13
